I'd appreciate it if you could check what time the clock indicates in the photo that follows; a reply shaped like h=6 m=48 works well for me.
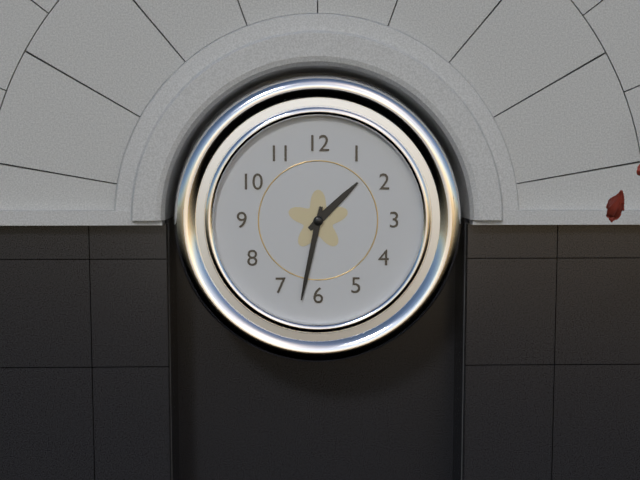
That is h=1 m=32
